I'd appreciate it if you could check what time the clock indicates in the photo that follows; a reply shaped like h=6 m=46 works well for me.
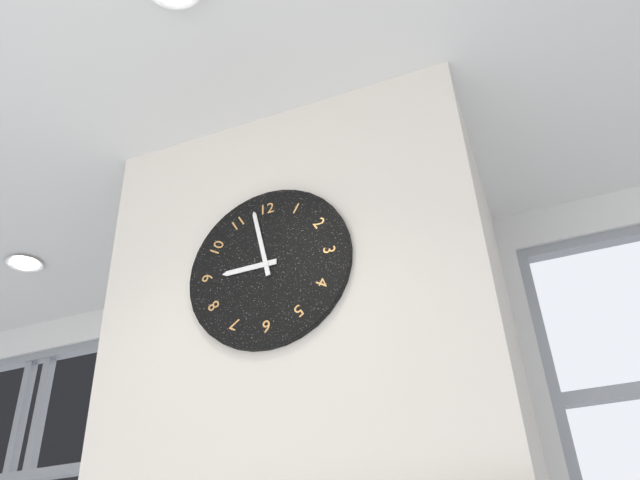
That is h=8 m=58
